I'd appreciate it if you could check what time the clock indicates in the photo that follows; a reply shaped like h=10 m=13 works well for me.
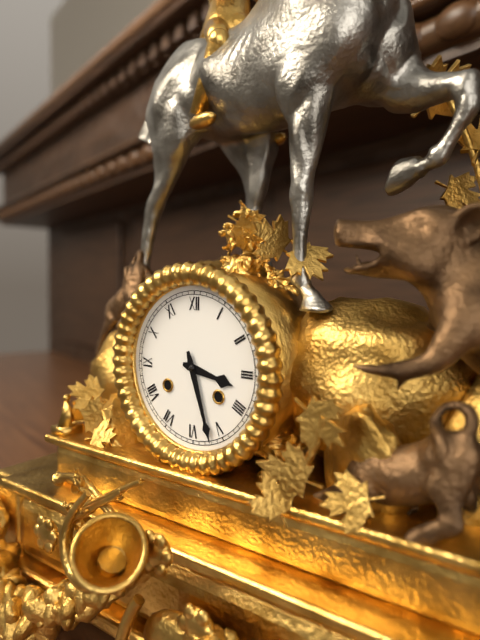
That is h=3 m=27
